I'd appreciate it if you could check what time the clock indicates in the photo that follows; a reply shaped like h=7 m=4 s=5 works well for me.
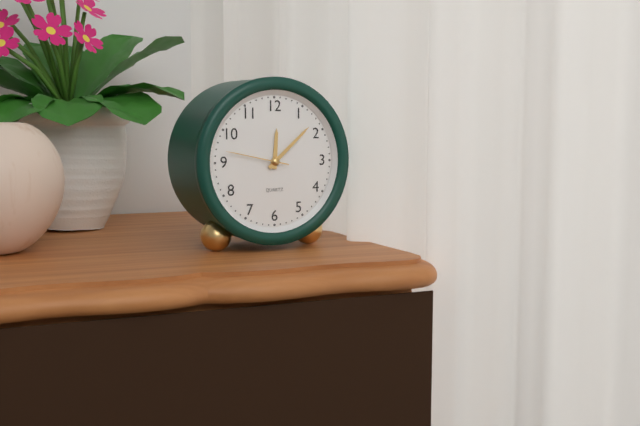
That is h=12 m=8 s=47
